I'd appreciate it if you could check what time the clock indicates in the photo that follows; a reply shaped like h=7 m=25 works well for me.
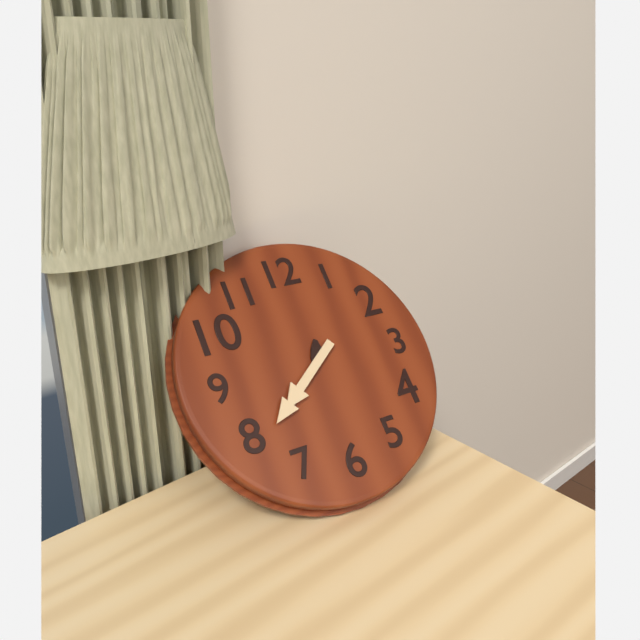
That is h=12 m=39
